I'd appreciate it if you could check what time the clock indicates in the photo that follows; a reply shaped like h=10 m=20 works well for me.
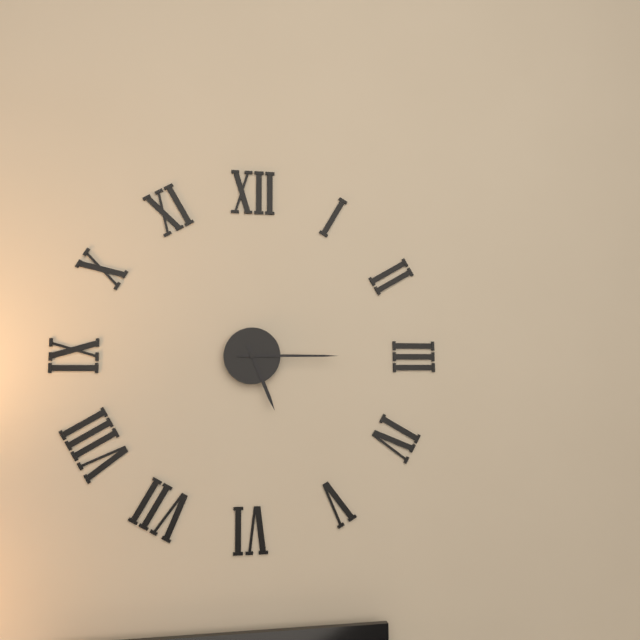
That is h=5 m=15
